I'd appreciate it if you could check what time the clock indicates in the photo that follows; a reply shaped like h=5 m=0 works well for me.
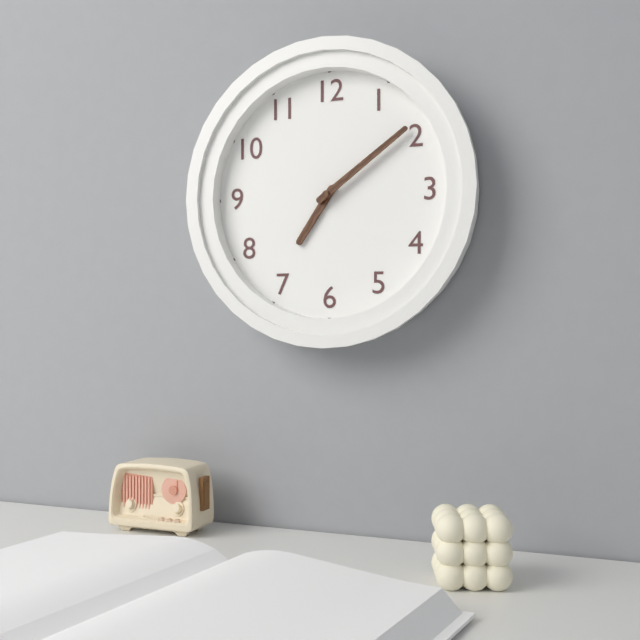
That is h=7 m=9
